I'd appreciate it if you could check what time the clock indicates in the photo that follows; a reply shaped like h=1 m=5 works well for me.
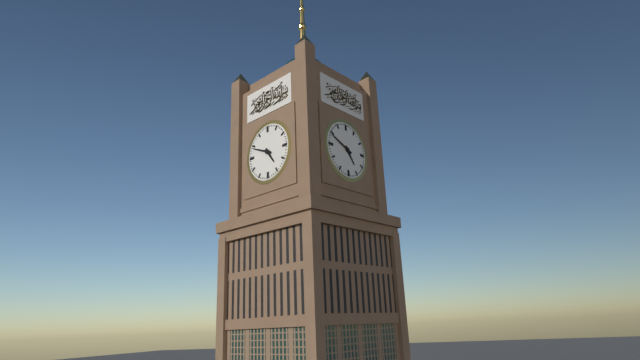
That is h=4 m=49
